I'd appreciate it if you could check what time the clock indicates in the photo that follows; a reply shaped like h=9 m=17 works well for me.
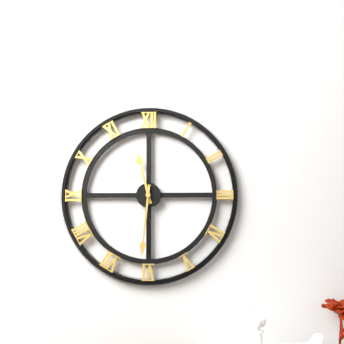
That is h=11 m=31
